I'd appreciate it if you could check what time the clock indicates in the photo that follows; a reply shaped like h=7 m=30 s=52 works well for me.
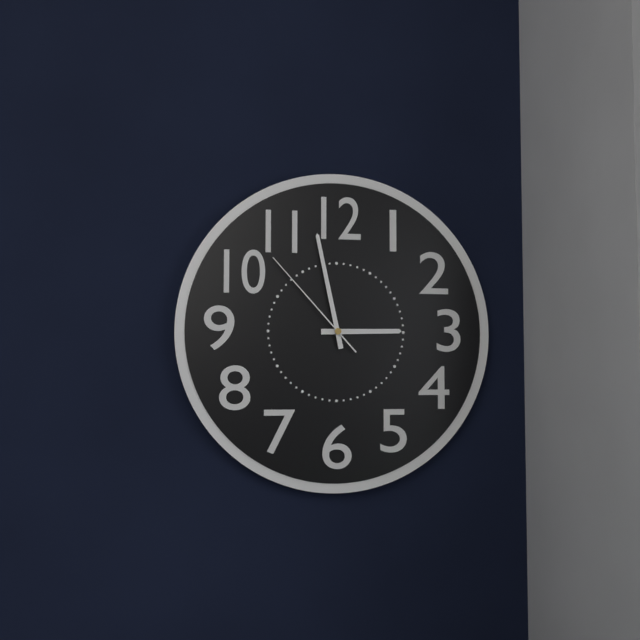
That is h=2 m=58 s=53
